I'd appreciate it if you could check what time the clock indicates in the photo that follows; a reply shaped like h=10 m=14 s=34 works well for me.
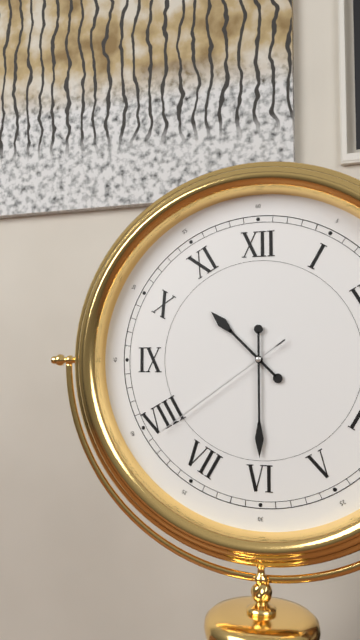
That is h=10 m=30 s=39
